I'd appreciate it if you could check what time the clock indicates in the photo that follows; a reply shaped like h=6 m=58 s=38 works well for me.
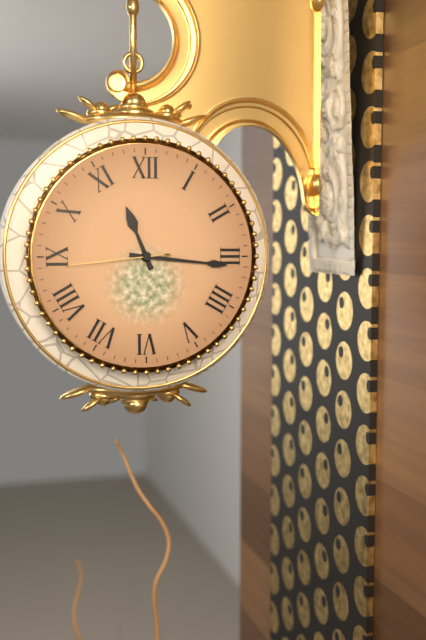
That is h=11 m=16 s=44
